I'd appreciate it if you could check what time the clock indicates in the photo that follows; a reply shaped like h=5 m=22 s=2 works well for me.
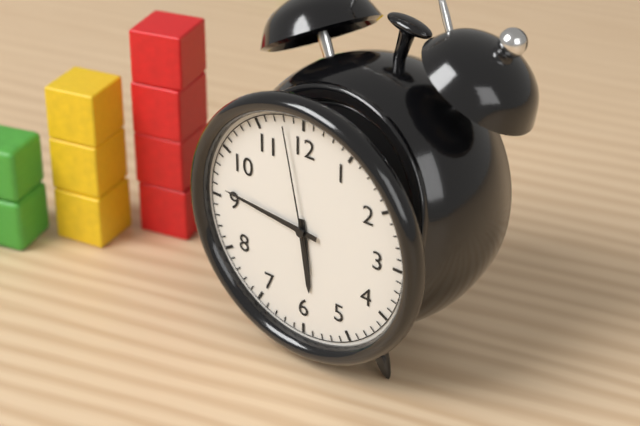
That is h=5 m=46 s=58
